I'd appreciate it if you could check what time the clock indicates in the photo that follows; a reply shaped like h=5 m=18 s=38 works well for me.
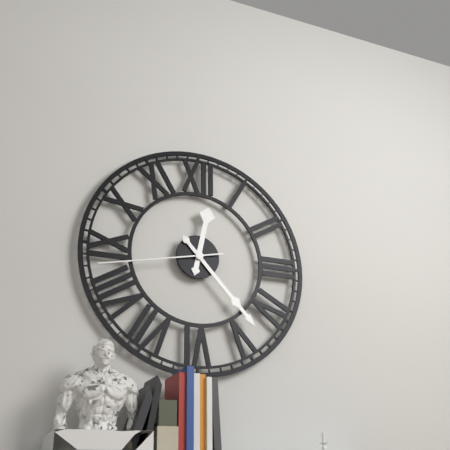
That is h=12 m=23 s=43
